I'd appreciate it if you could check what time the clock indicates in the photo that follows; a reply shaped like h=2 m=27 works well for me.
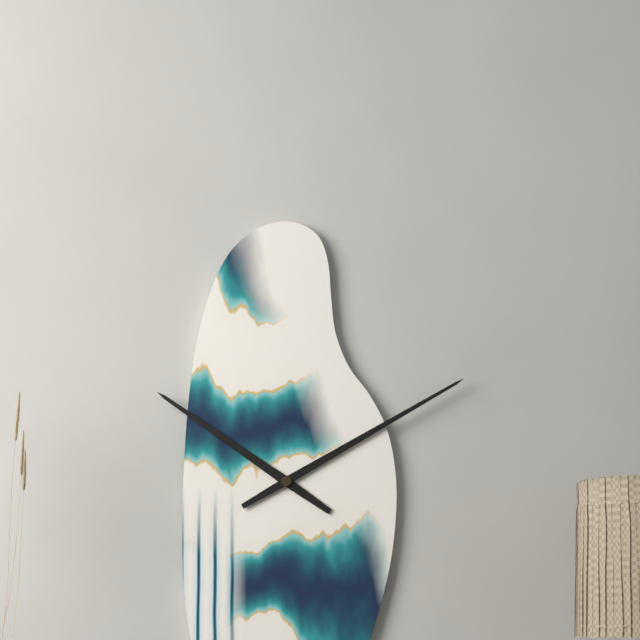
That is h=10 m=10
